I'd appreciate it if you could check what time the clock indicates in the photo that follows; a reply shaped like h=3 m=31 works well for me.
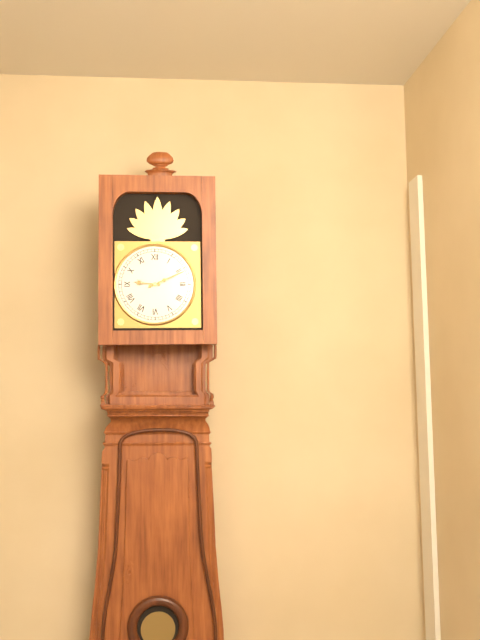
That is h=9 m=11
